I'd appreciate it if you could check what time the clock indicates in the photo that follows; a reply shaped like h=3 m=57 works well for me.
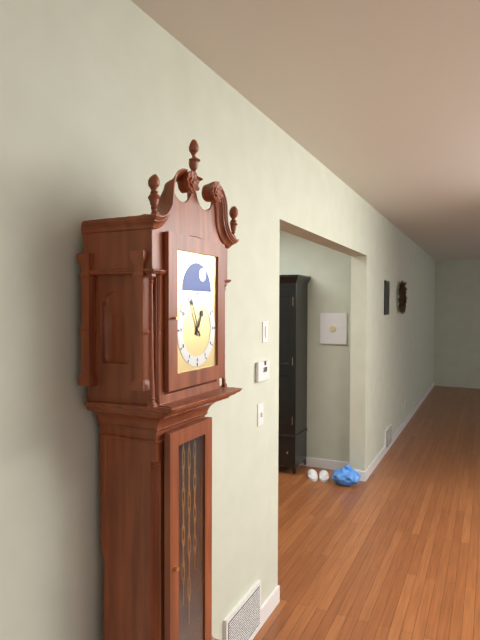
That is h=12 m=56
